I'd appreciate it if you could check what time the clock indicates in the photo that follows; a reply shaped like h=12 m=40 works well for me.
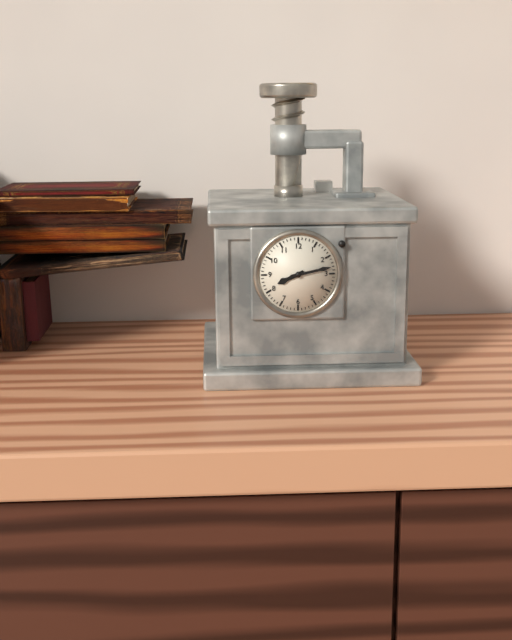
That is h=8 m=13
